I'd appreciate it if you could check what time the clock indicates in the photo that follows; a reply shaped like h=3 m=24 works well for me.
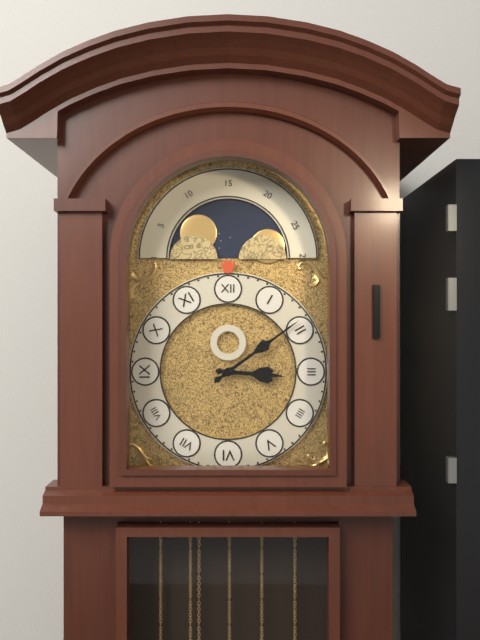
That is h=3 m=9
